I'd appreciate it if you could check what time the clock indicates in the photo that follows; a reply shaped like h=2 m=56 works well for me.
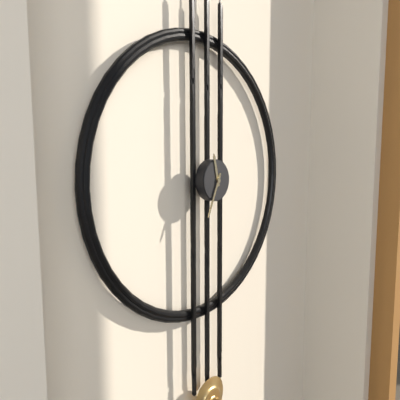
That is h=11 m=34
